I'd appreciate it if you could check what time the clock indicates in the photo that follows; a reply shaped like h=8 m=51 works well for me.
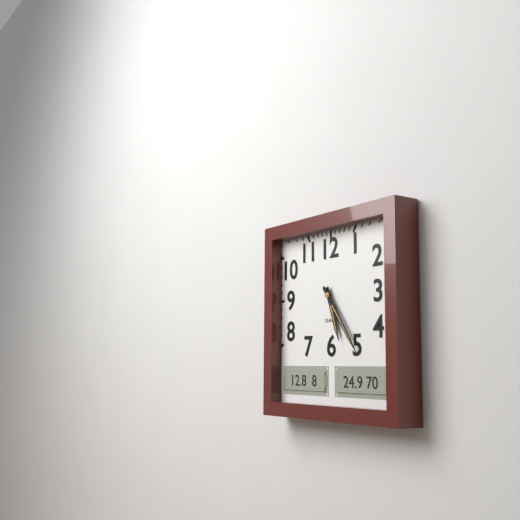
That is h=5 m=24
